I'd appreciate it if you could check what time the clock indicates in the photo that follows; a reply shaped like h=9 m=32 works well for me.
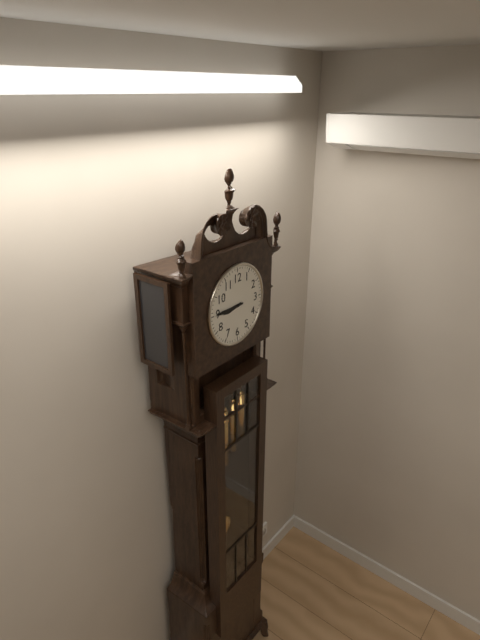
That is h=8 m=45
